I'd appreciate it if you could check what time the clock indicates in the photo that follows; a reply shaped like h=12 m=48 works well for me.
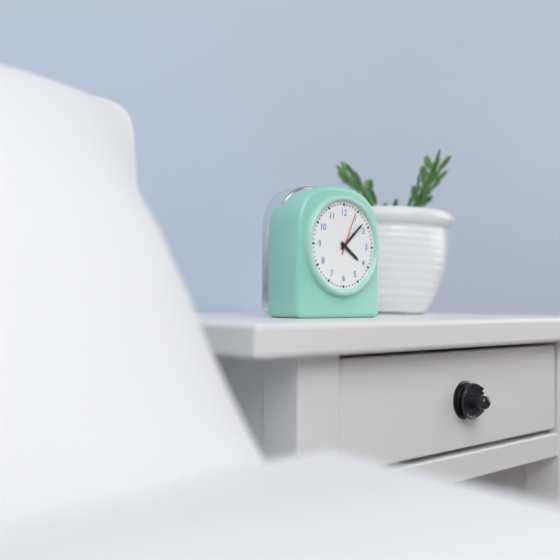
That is h=4 m=8
